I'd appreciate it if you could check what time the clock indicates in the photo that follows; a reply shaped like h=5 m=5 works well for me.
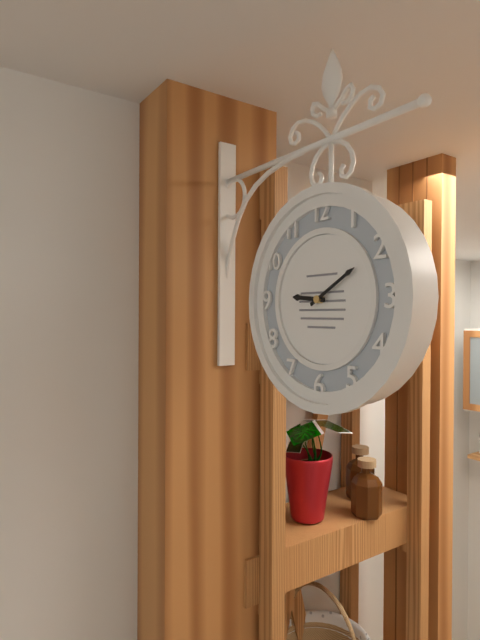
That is h=9 m=10
